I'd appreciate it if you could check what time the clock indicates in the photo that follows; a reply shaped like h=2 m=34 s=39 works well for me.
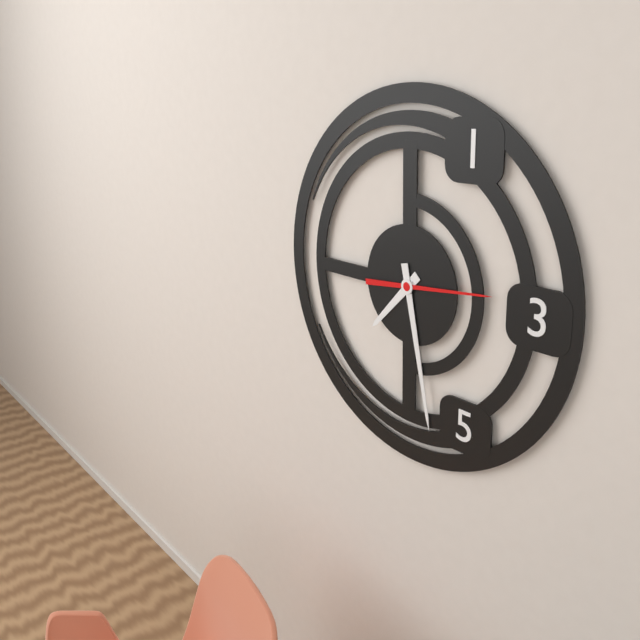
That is h=7 m=28 s=14
